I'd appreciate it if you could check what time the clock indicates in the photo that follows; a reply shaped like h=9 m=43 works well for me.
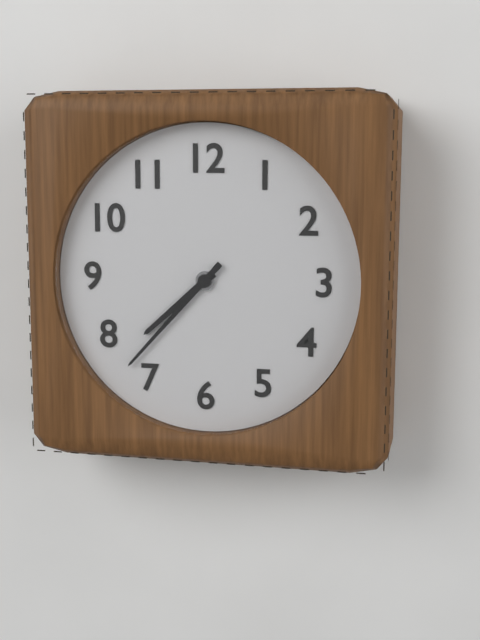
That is h=7 m=37
